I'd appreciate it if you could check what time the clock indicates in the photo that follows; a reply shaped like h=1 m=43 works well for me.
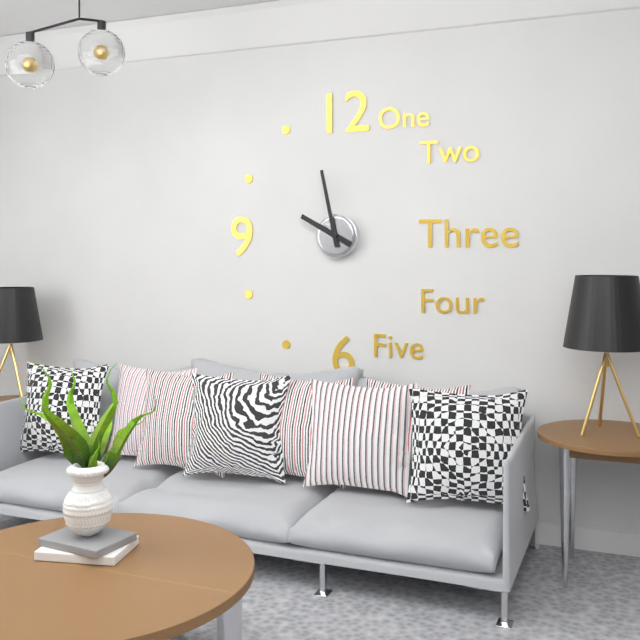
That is h=9 m=58
